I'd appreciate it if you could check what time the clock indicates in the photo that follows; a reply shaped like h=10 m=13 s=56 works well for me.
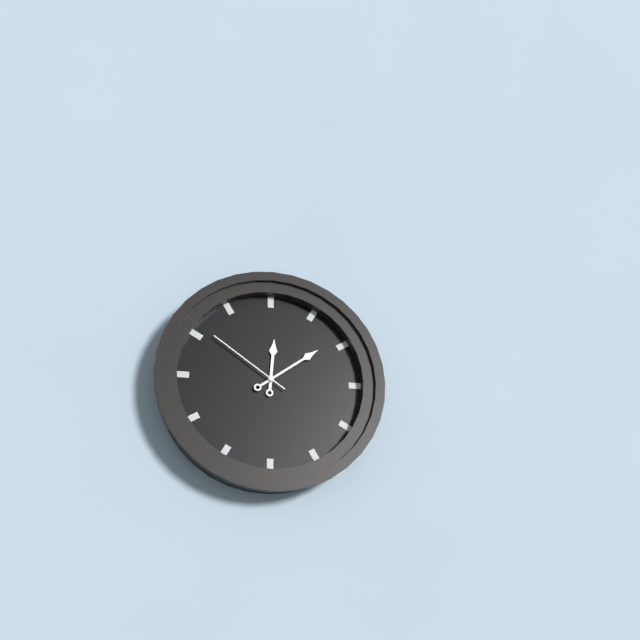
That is h=12 m=9 s=51
